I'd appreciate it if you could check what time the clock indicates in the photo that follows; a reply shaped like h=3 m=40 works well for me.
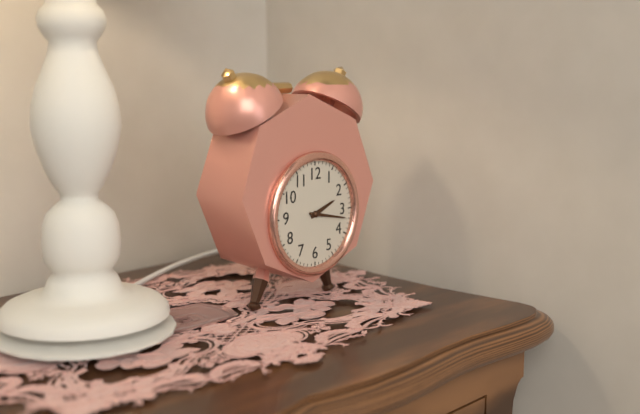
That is h=2 m=17
